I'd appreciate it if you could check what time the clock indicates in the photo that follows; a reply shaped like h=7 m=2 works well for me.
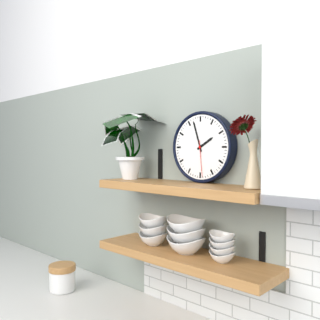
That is h=1 m=57
